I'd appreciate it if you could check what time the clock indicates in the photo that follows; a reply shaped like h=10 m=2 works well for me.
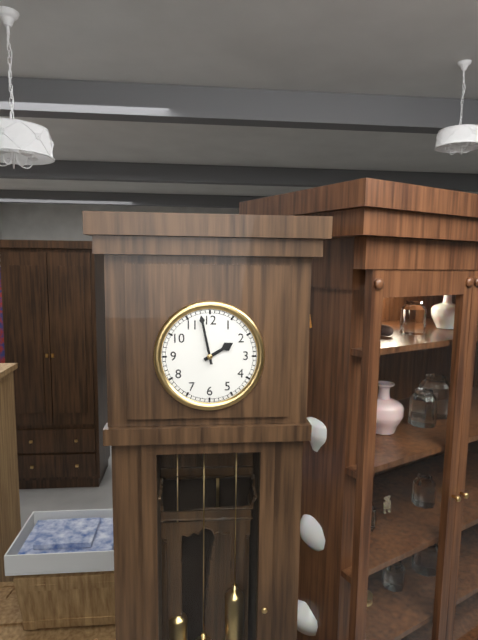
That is h=1 m=58
